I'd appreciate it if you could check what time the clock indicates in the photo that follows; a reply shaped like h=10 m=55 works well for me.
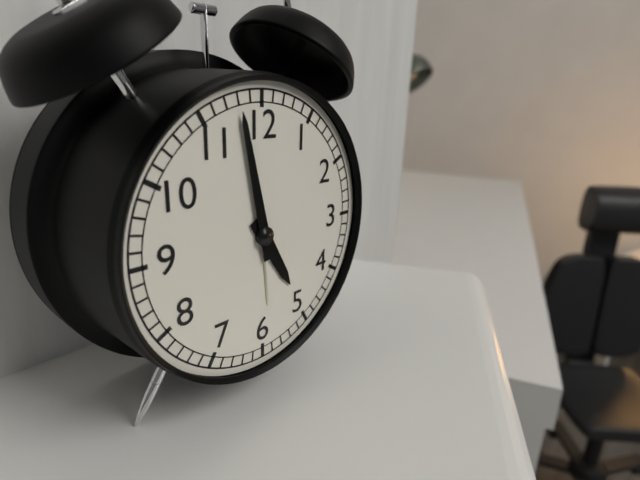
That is h=4 m=58
